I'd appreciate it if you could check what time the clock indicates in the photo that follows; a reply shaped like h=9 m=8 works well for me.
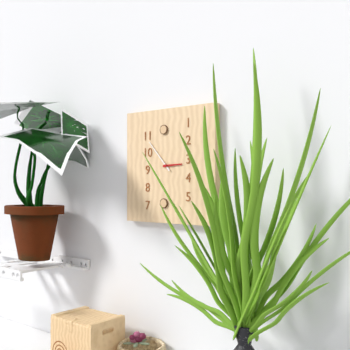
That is h=2 m=53
